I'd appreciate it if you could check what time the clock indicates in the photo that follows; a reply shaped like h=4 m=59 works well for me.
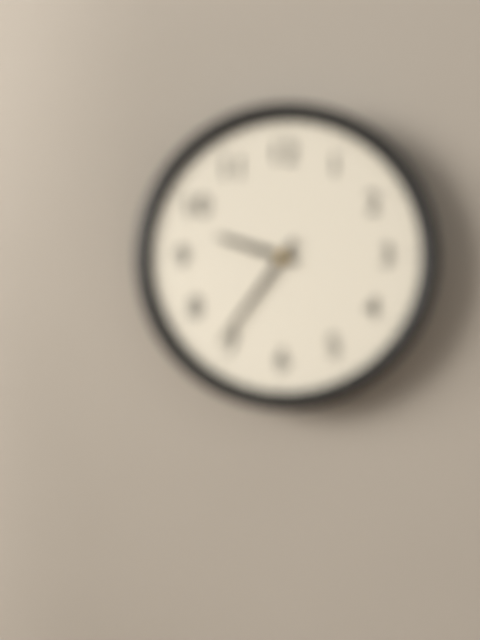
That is h=9 m=36
